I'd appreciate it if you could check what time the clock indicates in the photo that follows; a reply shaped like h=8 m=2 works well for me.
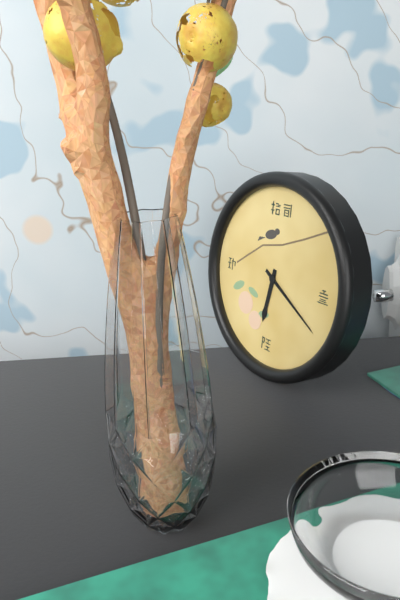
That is h=6 m=20
